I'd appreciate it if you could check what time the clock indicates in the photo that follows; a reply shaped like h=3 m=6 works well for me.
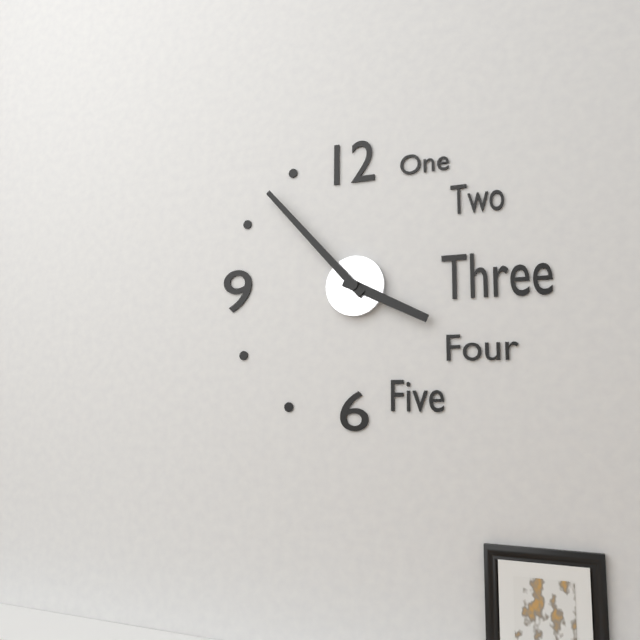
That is h=3 m=53
